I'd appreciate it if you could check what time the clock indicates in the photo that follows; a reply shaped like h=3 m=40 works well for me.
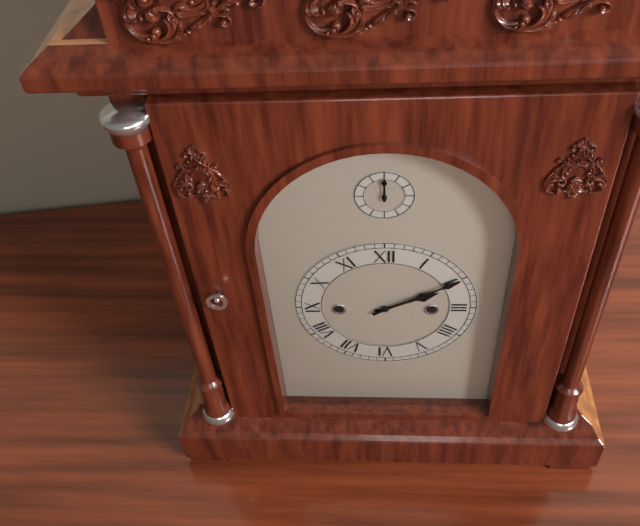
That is h=2 m=10
